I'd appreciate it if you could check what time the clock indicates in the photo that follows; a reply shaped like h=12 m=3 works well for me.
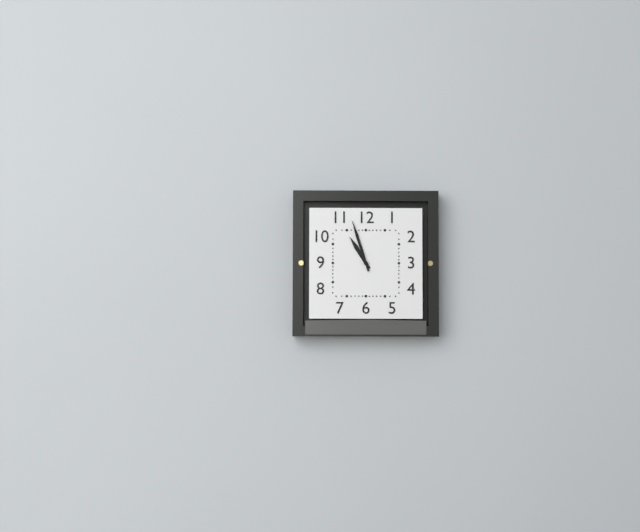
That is h=10 m=57
